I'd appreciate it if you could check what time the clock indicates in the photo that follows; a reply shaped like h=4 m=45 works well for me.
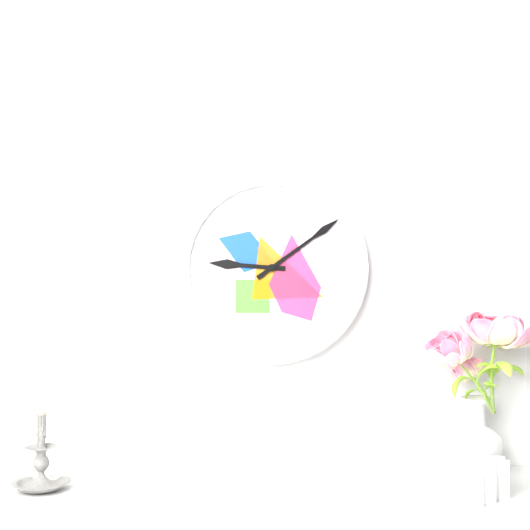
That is h=9 m=9
